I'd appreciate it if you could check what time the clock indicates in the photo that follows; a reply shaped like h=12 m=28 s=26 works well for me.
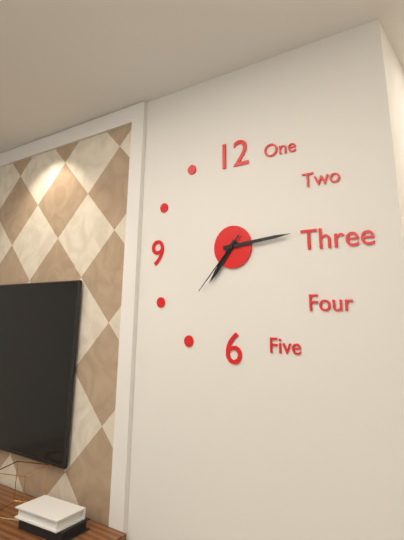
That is h=7 m=14 s=37
